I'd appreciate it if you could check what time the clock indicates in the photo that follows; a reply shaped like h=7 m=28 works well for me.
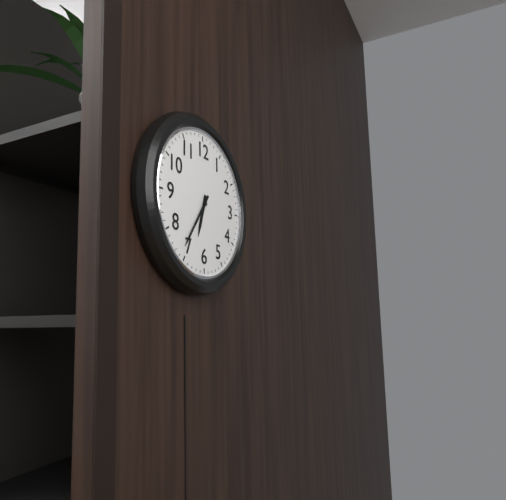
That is h=6 m=36
